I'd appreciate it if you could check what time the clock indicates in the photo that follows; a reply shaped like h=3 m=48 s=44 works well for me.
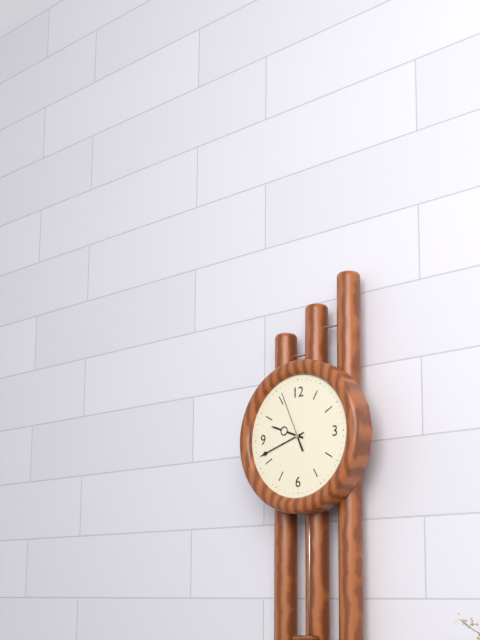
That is h=9 m=42 s=56
